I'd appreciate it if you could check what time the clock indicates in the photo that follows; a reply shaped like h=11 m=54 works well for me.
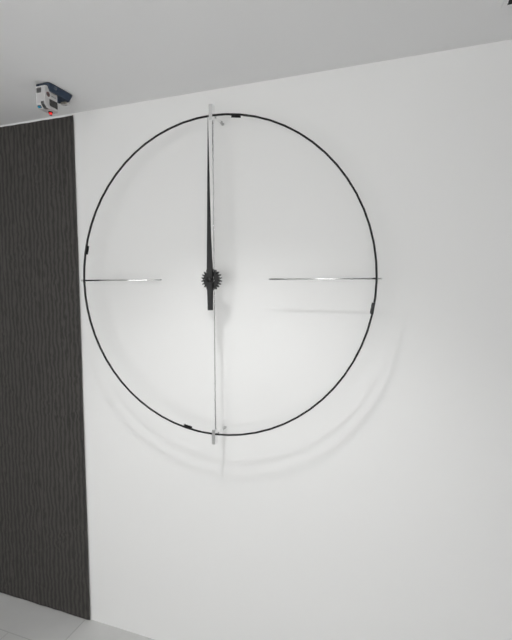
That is h=12 m=0
